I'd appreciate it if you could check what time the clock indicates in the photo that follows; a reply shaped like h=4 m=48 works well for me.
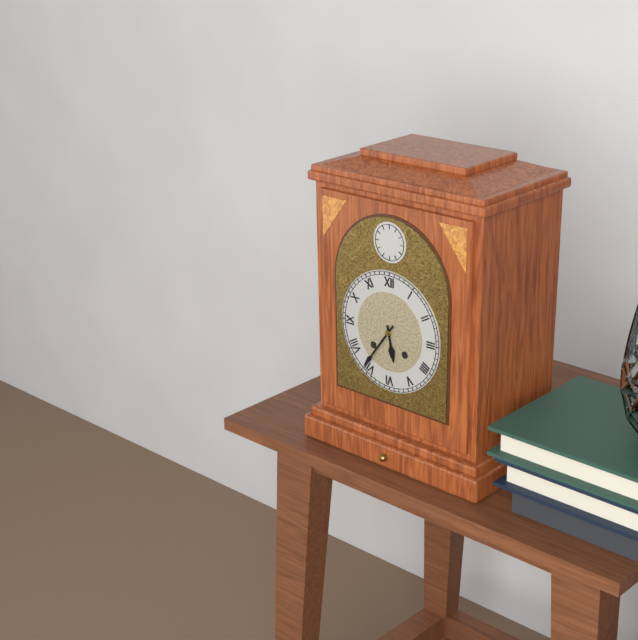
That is h=5 m=36
